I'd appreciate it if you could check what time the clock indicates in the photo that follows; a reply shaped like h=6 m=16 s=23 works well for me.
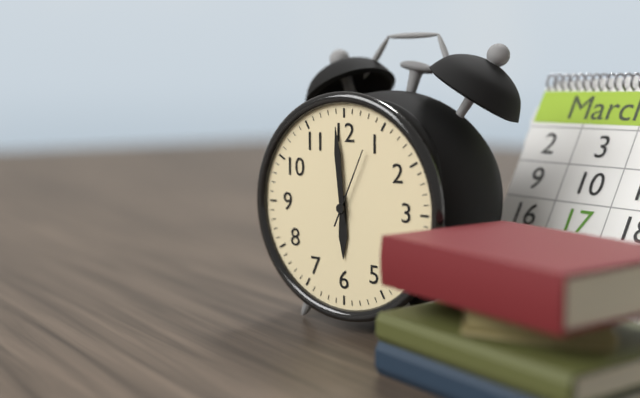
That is h=5 m=59 s=4
